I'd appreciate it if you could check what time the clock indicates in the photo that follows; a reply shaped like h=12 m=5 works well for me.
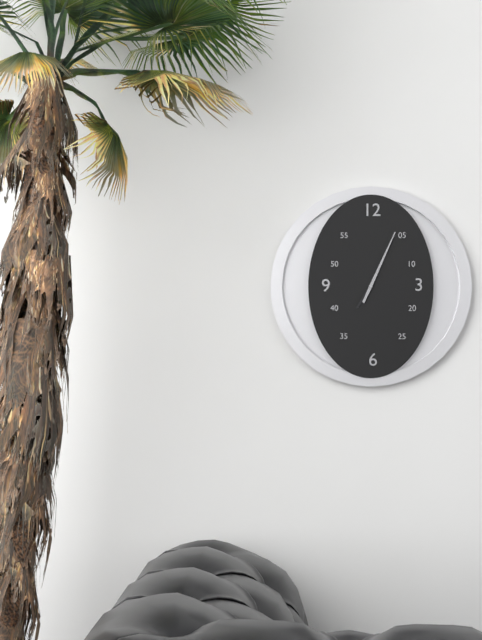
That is h=7 m=4
